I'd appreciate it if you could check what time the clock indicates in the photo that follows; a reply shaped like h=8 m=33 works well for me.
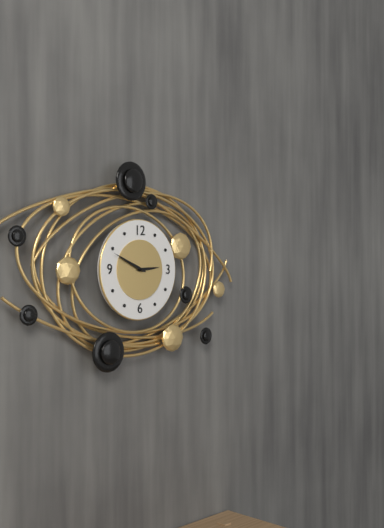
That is h=2 m=49
